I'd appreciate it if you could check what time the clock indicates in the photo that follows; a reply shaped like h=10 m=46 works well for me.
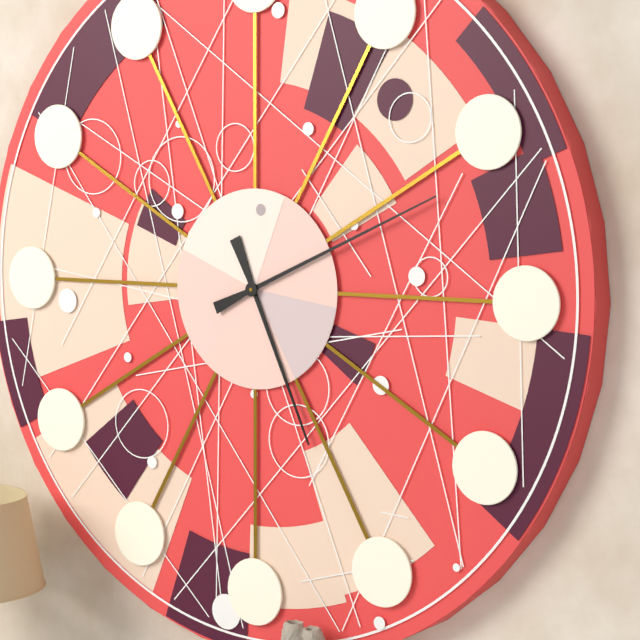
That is h=5 m=11
